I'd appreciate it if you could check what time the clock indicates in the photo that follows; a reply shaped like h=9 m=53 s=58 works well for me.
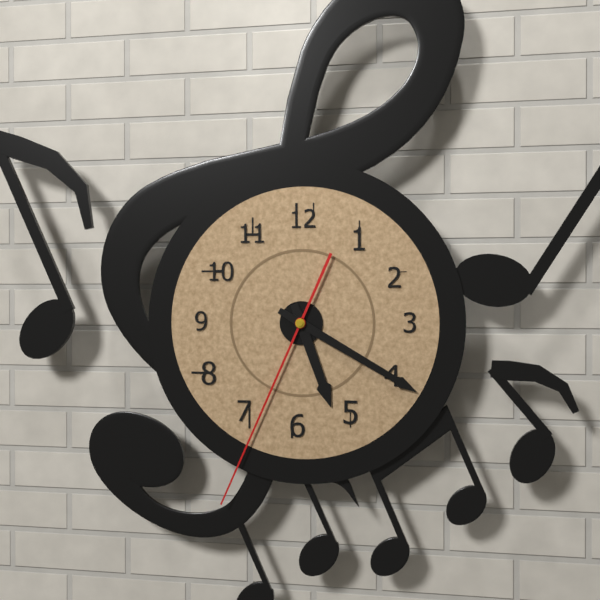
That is h=5 m=20 s=34
